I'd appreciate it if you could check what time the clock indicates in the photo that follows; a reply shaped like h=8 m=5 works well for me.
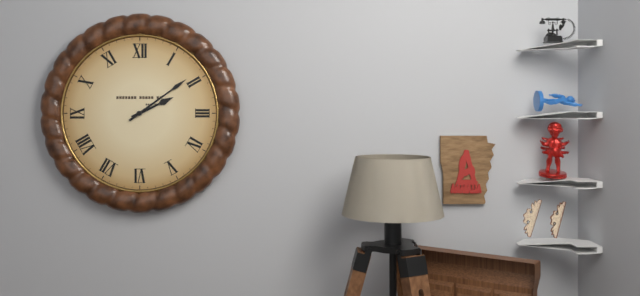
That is h=2 m=9
